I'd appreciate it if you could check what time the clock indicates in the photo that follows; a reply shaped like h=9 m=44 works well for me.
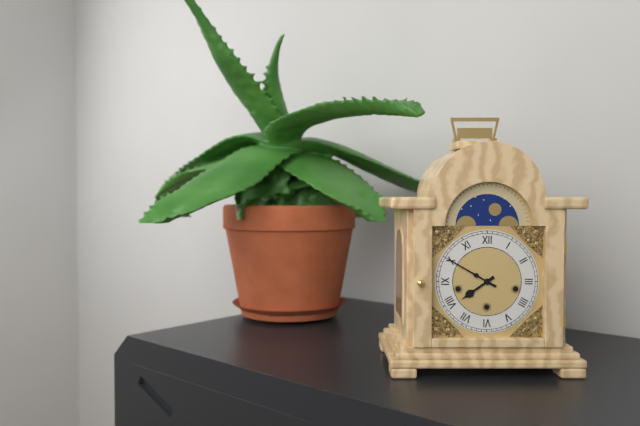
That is h=7 m=50
